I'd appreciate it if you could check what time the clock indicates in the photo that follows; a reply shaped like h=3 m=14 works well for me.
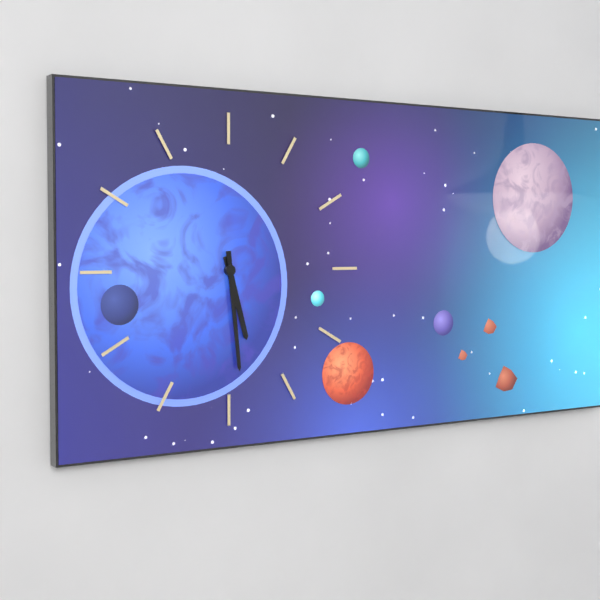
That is h=5 m=29
